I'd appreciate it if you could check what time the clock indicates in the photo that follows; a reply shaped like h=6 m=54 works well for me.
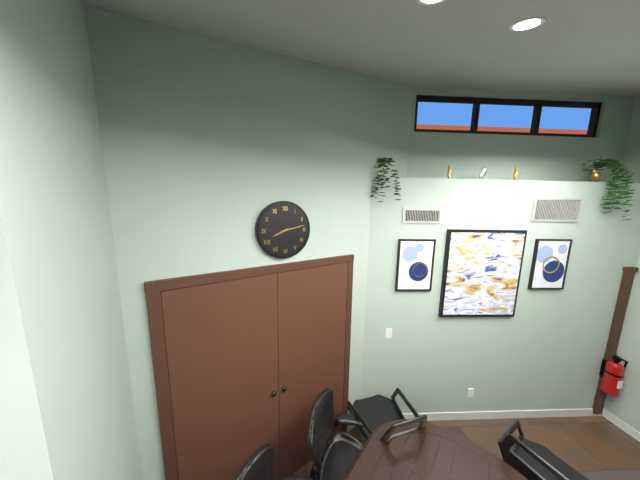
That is h=8 m=13
